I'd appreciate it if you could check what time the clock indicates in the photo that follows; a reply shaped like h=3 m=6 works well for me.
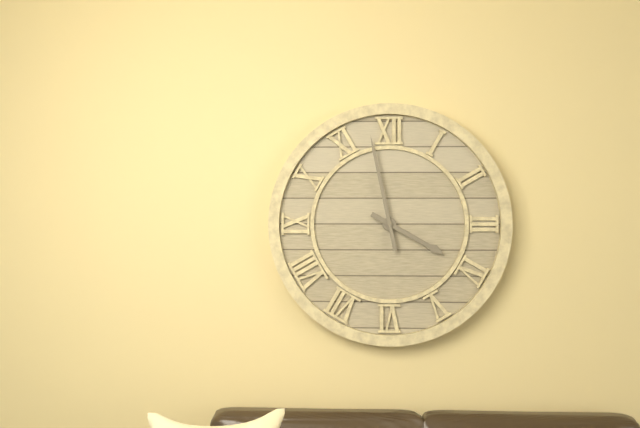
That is h=3 m=58
